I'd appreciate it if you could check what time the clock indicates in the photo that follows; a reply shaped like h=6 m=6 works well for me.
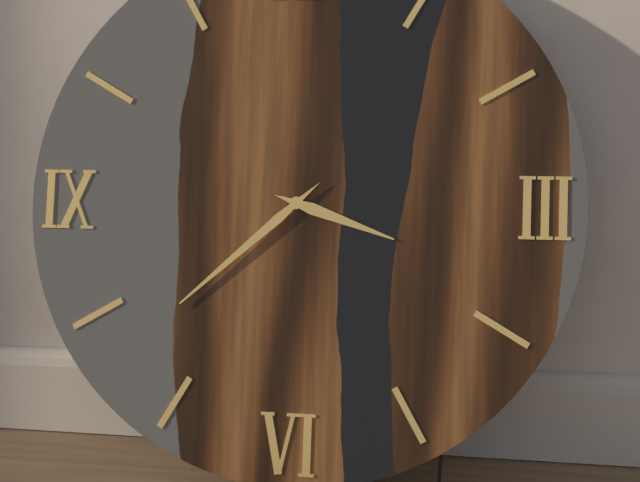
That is h=3 m=38
